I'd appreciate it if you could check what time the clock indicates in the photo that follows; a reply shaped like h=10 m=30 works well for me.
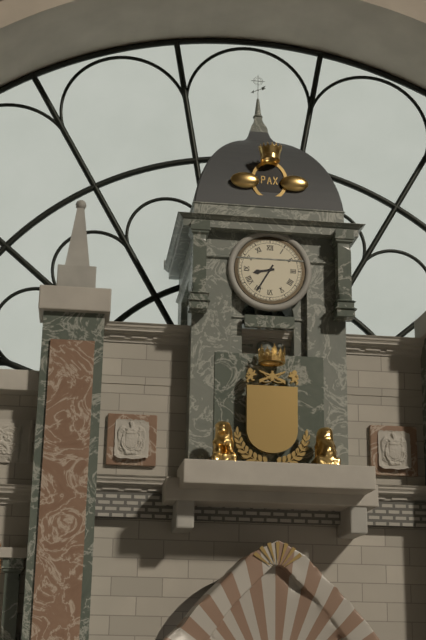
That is h=8 m=35
